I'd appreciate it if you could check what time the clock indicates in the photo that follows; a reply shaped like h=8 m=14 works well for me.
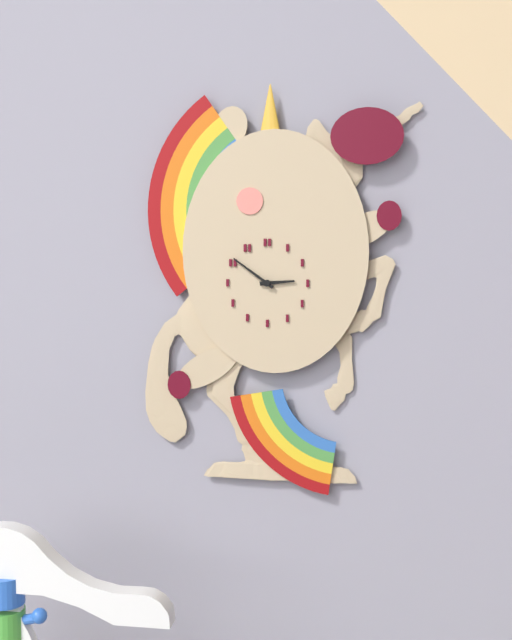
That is h=2 m=51
